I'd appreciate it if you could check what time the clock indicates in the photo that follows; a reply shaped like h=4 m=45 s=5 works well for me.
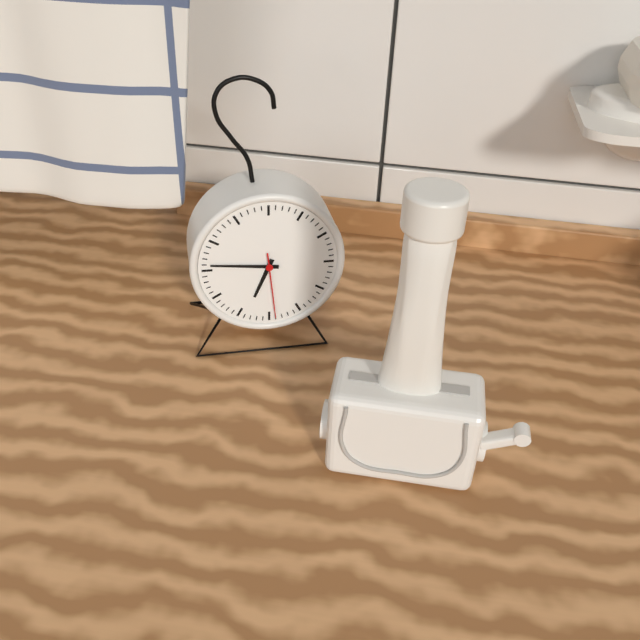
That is h=6 m=46 s=29
